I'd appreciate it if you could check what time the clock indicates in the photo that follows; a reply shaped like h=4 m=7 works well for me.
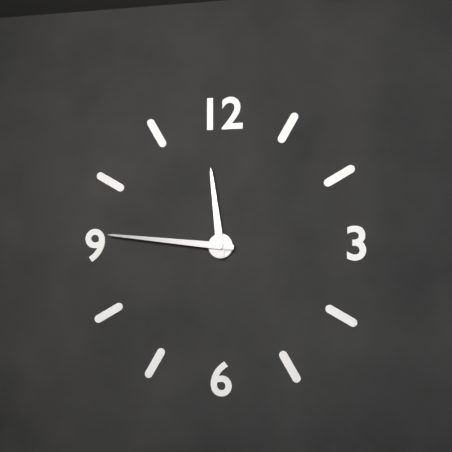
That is h=11 m=46
